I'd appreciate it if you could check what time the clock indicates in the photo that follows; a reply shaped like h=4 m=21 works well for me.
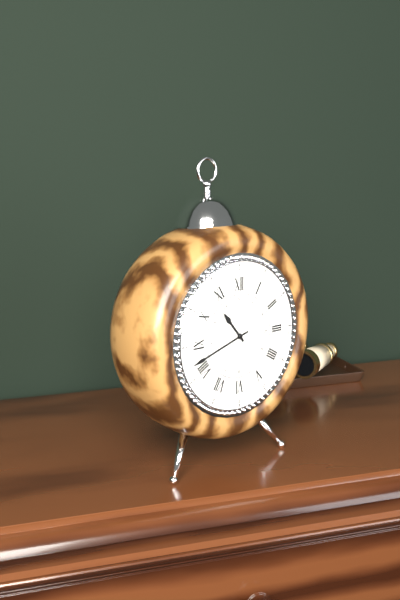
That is h=10 m=42
